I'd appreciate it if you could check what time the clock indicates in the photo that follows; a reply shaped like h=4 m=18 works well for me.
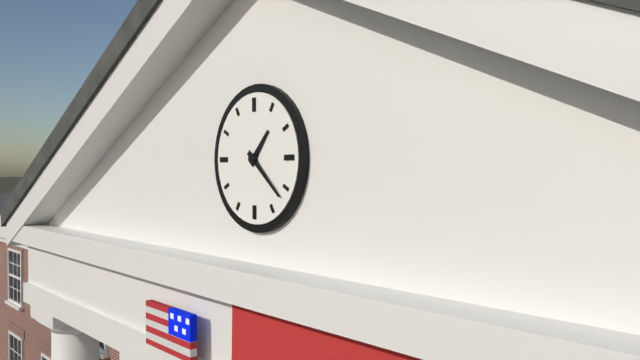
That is h=1 m=22
